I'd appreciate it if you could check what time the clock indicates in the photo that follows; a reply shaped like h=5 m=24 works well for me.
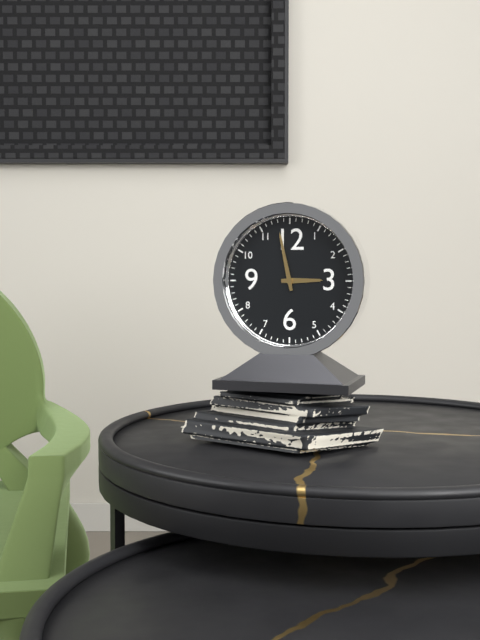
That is h=2 m=58
